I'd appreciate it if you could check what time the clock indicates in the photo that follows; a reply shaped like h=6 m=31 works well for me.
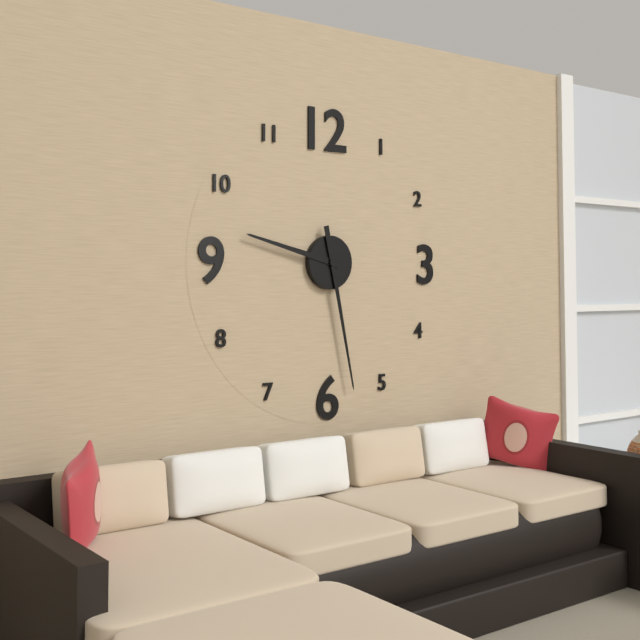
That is h=9 m=28
